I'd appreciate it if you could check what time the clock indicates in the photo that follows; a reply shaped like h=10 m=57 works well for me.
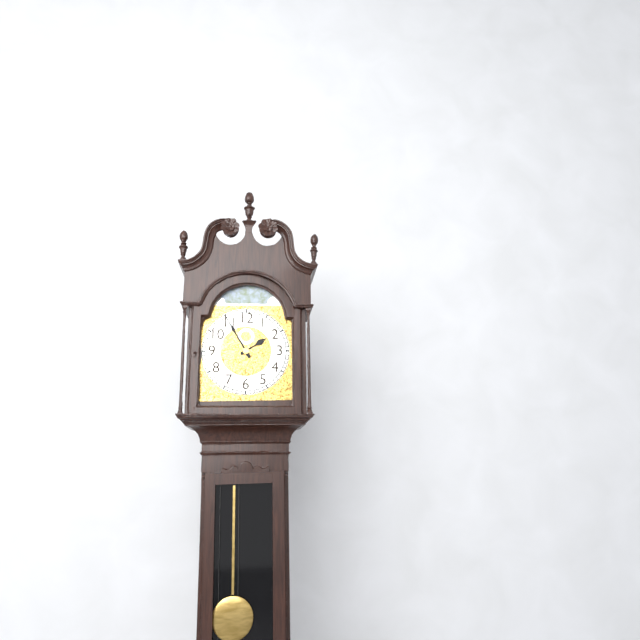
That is h=1 m=55
